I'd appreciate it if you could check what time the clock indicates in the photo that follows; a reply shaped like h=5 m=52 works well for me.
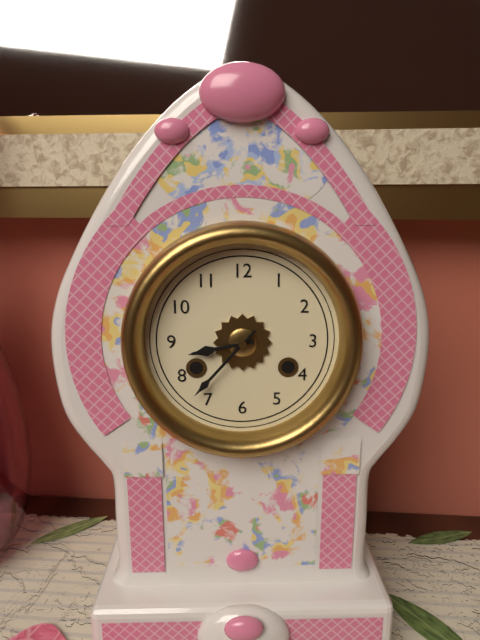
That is h=8 m=37
